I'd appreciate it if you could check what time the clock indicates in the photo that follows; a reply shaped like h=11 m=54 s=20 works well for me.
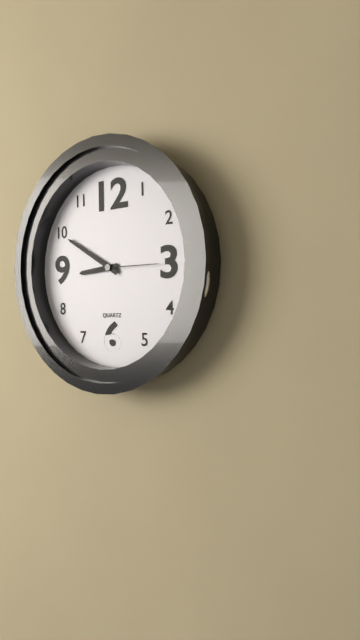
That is h=8 m=50 s=15
